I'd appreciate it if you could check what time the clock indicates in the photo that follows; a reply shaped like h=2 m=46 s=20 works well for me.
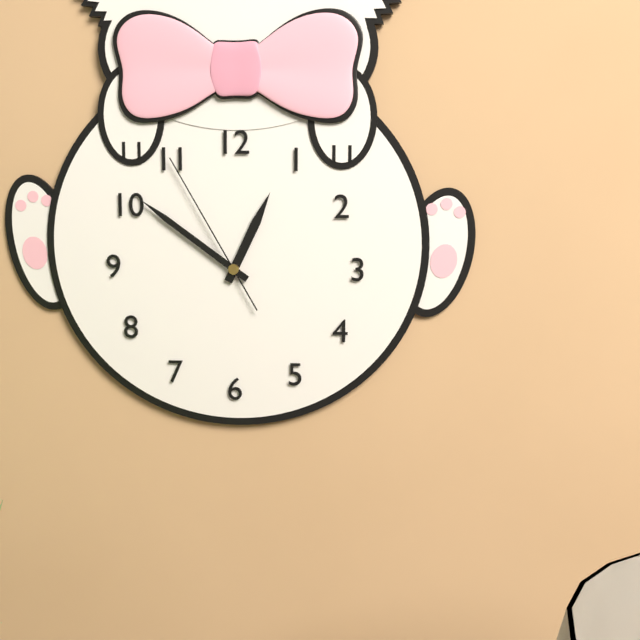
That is h=12 m=51 s=55
